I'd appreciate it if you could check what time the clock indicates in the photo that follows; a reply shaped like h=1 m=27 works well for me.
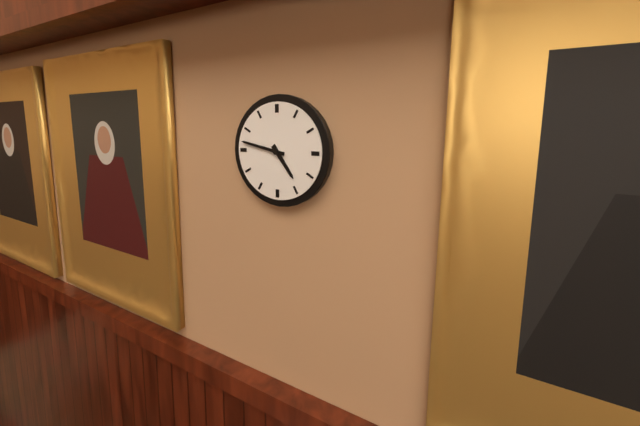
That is h=4 m=47
